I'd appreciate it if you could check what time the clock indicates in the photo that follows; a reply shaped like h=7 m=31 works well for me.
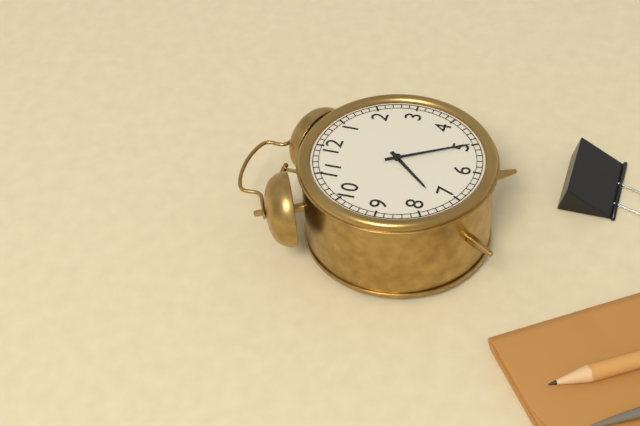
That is h=7 m=25
